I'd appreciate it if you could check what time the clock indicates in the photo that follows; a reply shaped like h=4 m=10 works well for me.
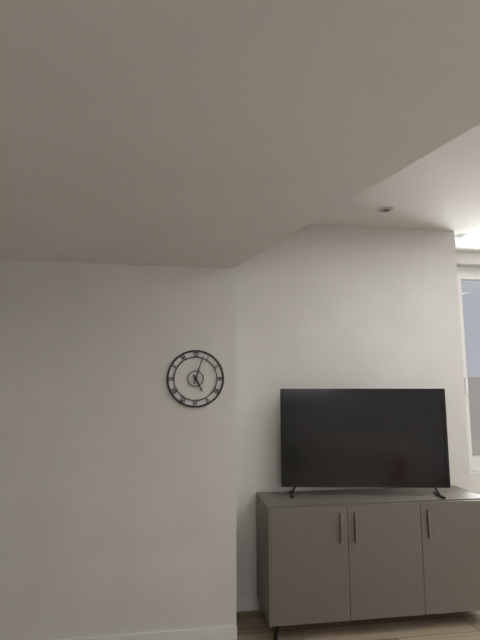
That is h=5 m=3
